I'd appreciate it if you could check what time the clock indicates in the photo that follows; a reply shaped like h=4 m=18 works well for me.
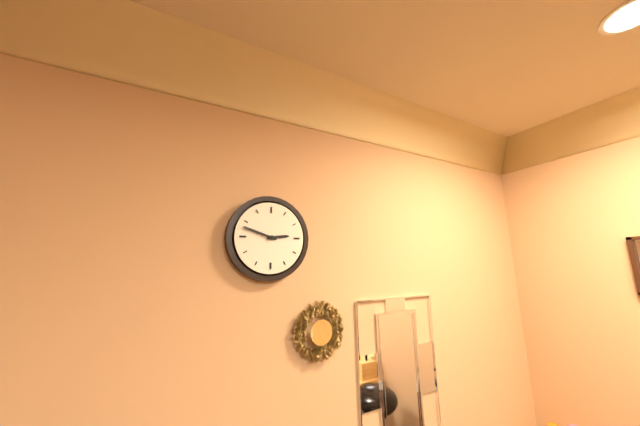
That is h=2 m=48
